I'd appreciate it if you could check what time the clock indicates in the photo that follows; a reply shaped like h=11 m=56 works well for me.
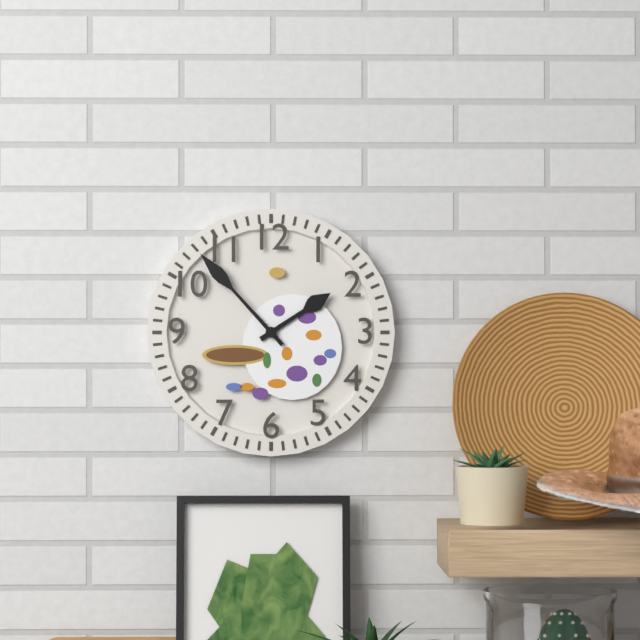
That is h=1 m=53
